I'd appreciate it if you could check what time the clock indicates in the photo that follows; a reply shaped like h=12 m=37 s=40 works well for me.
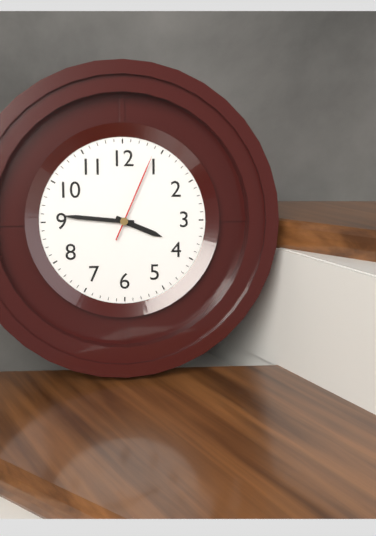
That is h=3 m=46 s=4
